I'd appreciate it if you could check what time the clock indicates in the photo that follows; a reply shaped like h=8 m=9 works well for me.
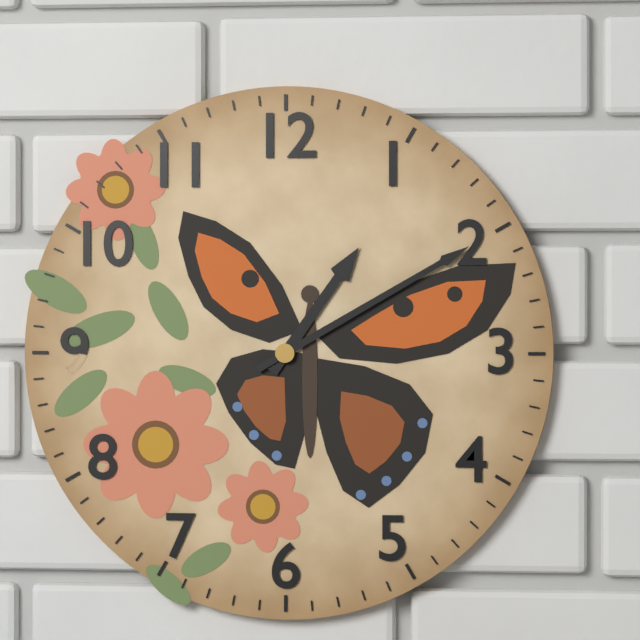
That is h=1 m=10
